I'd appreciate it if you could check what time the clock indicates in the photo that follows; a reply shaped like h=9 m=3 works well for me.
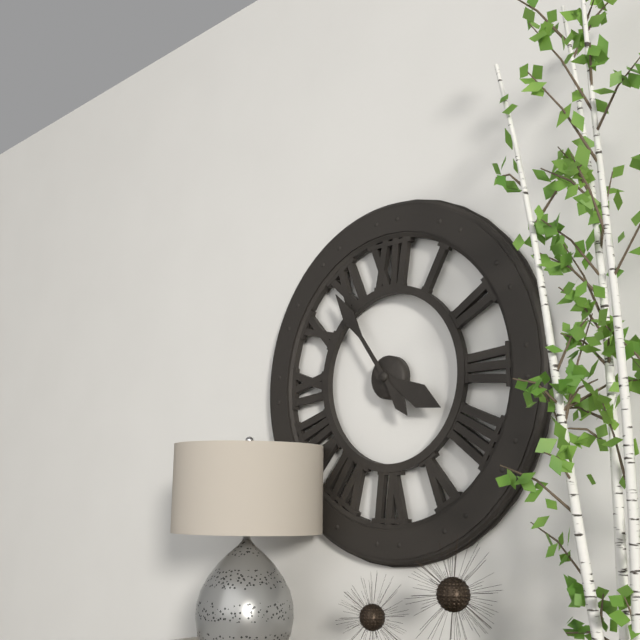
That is h=3 m=54
